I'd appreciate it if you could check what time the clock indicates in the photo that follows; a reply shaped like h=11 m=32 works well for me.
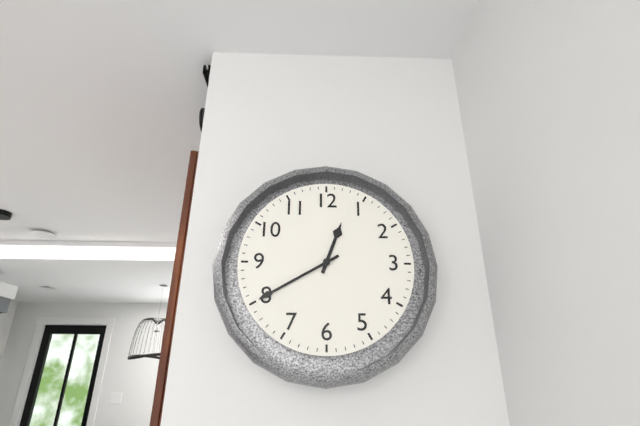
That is h=12 m=40
